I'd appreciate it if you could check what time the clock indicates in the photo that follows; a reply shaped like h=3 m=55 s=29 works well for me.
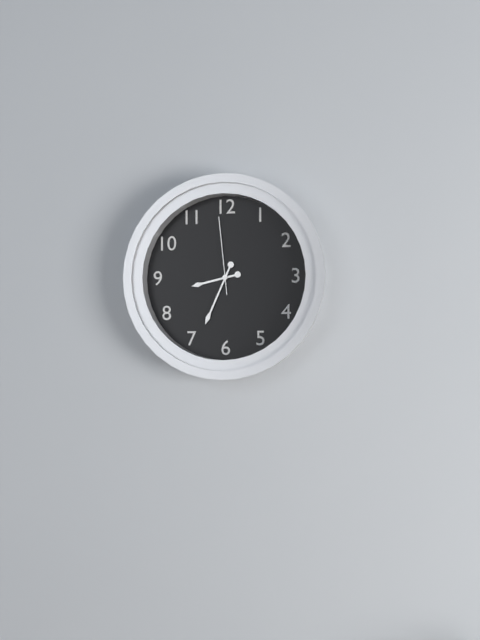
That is h=8 m=34 s=59
